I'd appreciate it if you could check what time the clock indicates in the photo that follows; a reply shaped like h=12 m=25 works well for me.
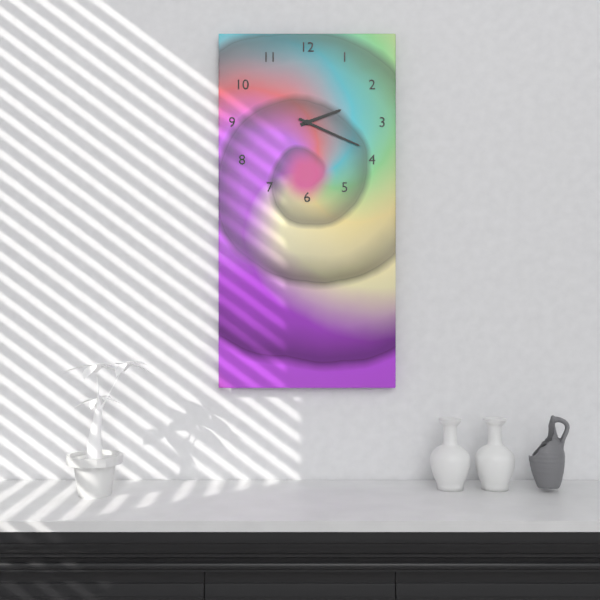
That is h=2 m=19
